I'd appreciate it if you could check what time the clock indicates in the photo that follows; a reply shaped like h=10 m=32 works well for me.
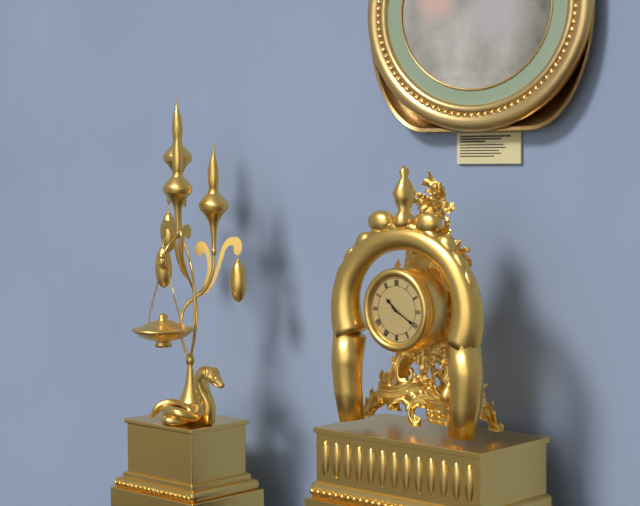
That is h=10 m=20
